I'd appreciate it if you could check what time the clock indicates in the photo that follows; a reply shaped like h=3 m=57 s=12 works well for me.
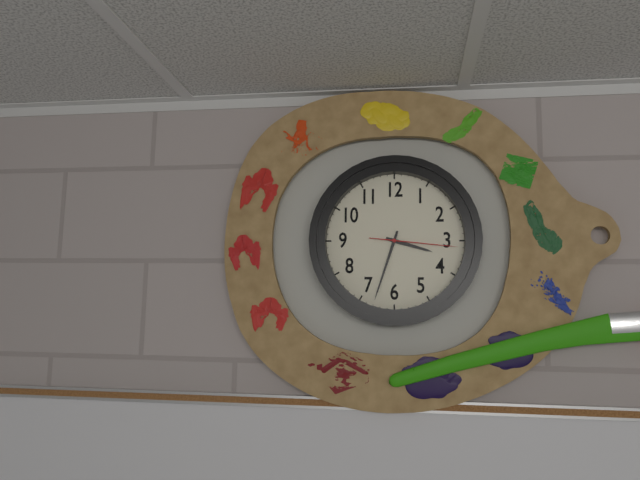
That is h=3 m=33 s=16
